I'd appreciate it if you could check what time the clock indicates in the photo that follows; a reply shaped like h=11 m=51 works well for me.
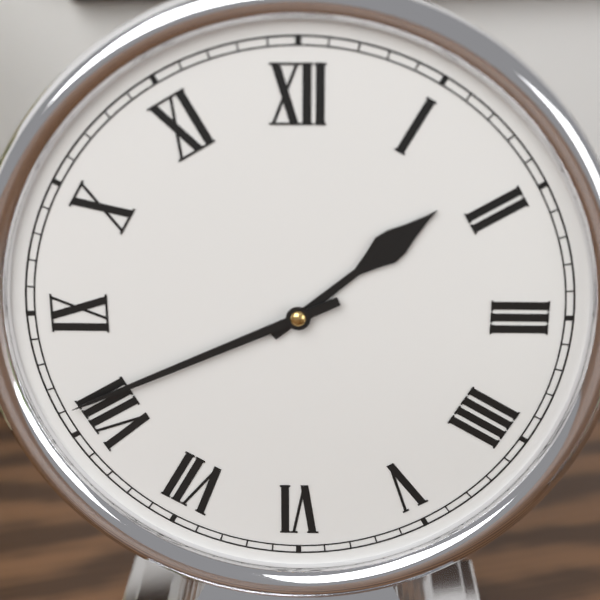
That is h=1 m=41
